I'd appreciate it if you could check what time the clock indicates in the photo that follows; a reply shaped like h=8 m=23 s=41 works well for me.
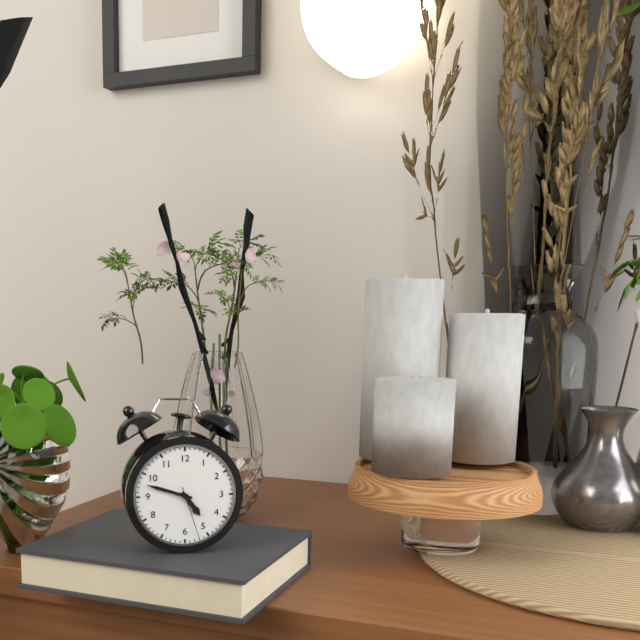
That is h=4 m=48 s=27
